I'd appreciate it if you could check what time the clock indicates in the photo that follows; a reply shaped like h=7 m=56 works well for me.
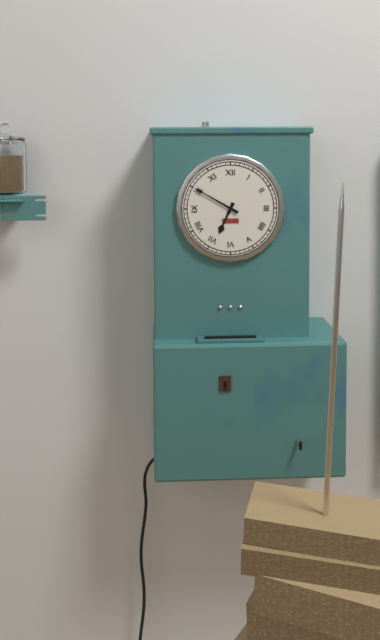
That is h=6 m=50
